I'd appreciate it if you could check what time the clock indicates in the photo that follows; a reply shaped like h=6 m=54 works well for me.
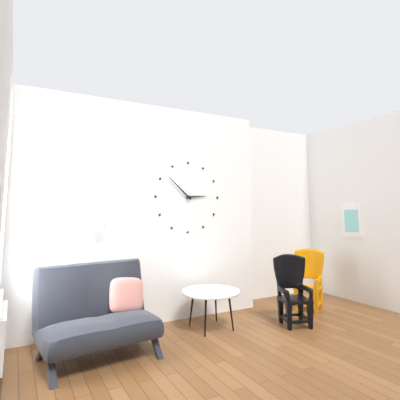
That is h=2 m=52
